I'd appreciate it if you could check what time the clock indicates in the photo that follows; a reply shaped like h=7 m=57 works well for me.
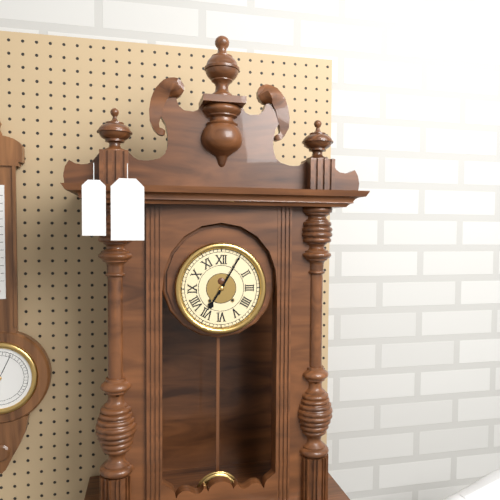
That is h=7 m=5
